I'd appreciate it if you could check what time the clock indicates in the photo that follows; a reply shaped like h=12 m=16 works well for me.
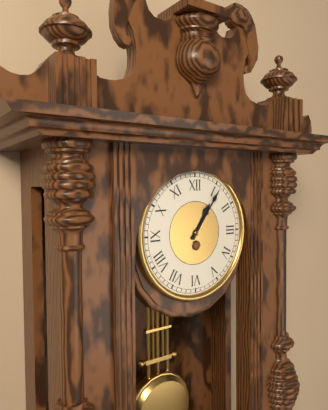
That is h=1 m=6
